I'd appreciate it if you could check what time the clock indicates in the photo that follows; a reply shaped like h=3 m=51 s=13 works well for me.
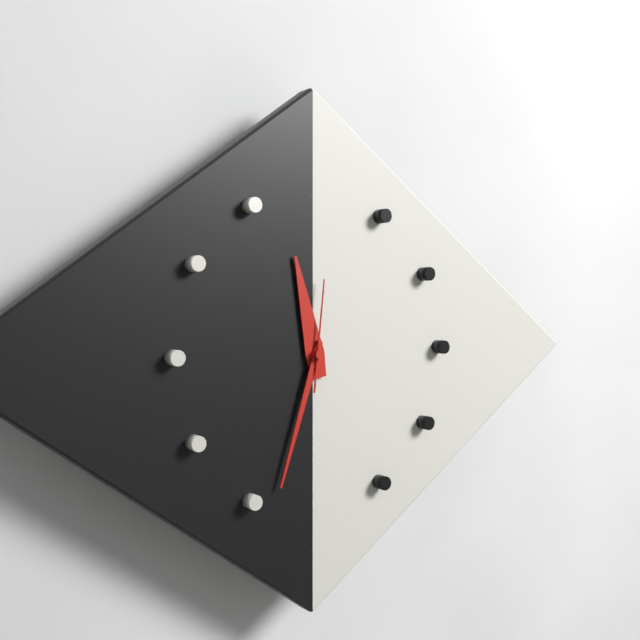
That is h=11 m=33 s=1
